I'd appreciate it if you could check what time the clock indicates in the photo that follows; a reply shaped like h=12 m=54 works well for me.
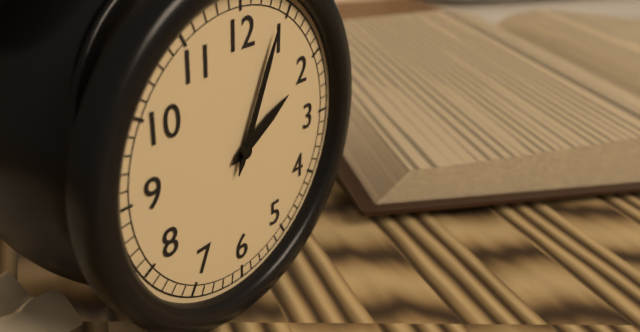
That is h=2 m=4
